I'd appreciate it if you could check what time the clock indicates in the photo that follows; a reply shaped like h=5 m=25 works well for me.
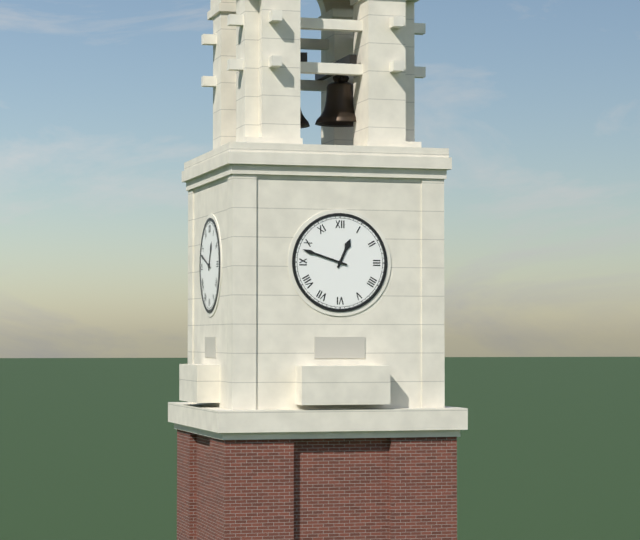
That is h=12 m=48
